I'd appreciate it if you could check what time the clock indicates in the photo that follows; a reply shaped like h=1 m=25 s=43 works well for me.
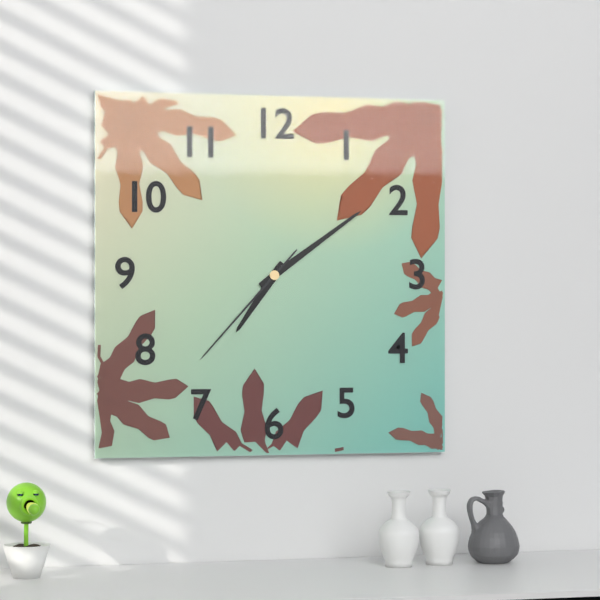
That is h=7 m=9 s=37
